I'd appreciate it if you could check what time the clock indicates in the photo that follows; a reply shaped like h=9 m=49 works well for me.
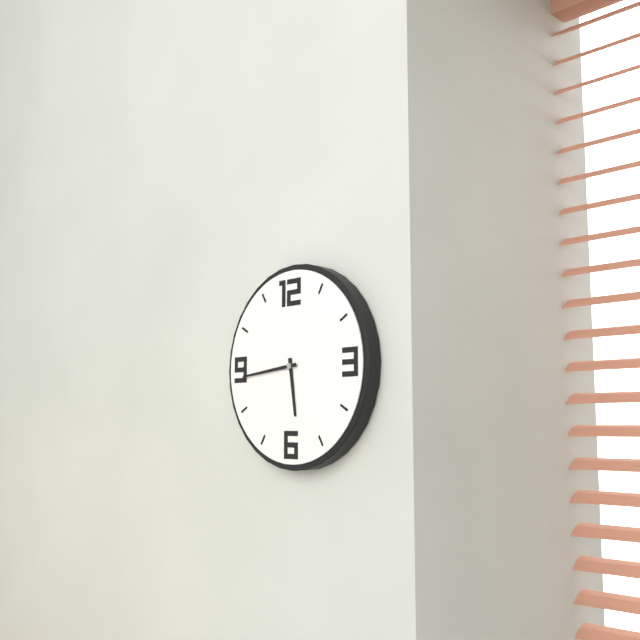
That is h=5 m=44
